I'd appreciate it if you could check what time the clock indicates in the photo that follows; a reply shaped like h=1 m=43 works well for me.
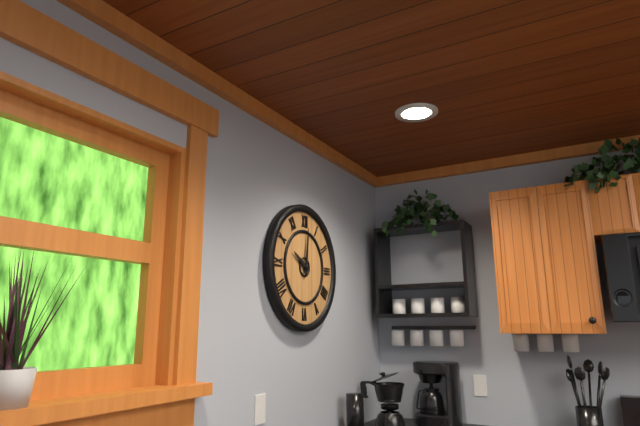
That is h=10 m=1
